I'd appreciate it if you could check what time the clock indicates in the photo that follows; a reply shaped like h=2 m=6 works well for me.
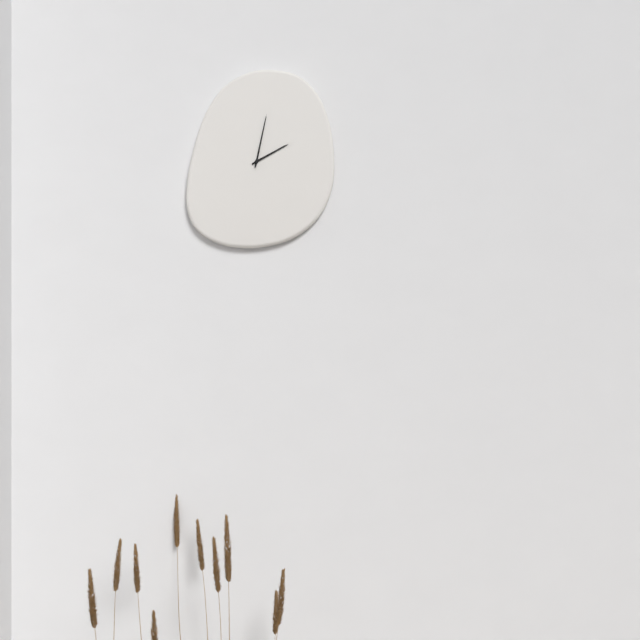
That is h=2 m=2
